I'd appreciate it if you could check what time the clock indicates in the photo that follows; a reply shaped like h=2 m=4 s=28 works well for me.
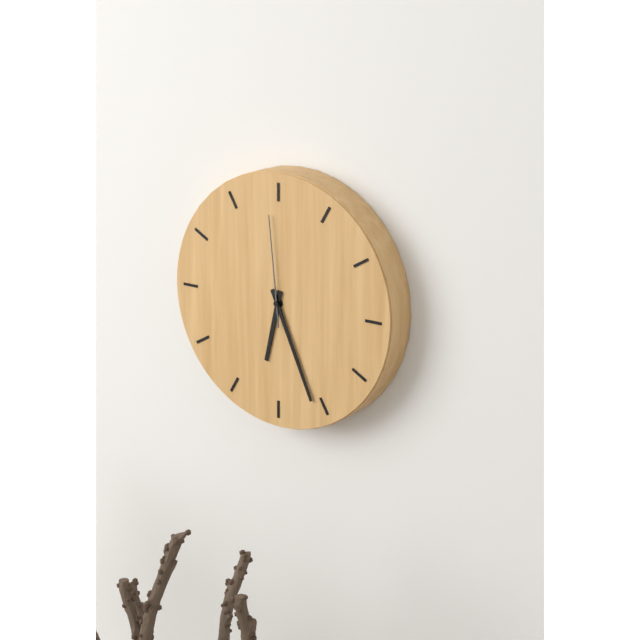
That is h=6 m=26 s=59
